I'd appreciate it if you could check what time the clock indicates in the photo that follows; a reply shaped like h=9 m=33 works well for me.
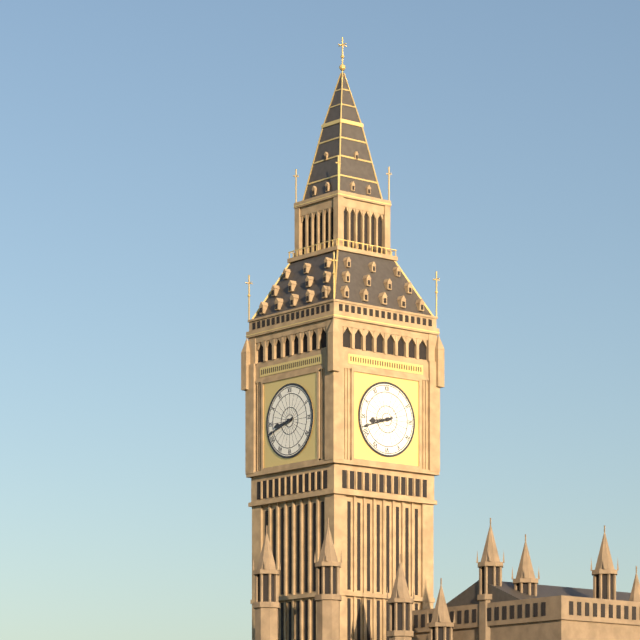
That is h=8 m=42
